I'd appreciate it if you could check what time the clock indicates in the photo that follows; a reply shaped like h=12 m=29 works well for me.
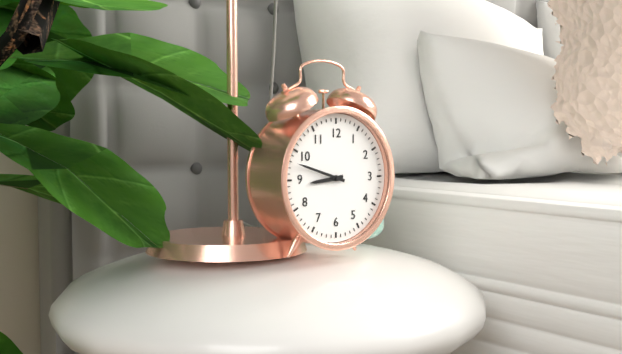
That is h=8 m=48
